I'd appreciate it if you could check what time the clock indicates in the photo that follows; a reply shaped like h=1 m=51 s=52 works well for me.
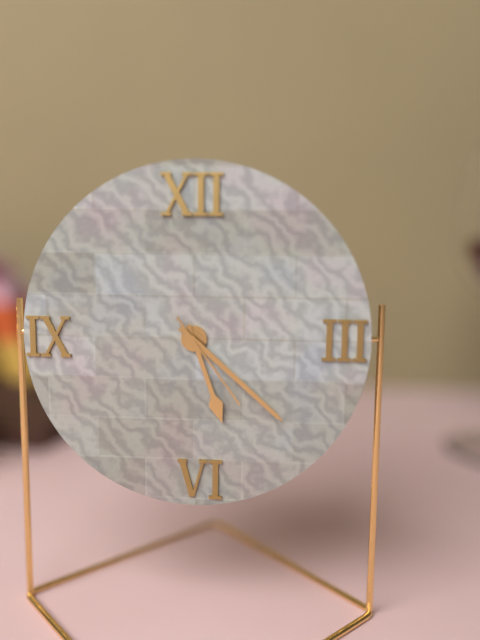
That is h=5 m=22 s=24
